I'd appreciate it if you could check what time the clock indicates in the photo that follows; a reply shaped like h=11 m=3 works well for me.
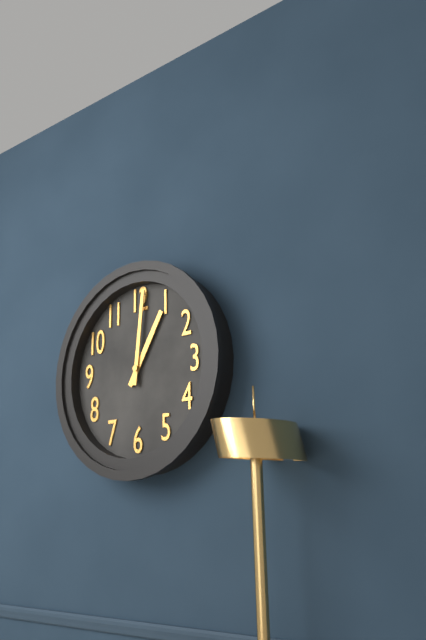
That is h=1 m=1
